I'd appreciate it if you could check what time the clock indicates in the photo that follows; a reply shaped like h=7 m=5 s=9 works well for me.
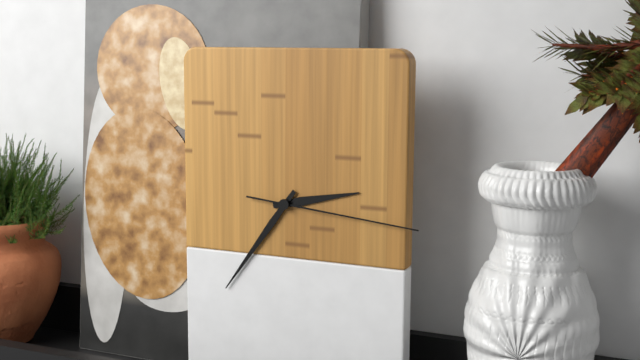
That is h=2 m=36 s=16
